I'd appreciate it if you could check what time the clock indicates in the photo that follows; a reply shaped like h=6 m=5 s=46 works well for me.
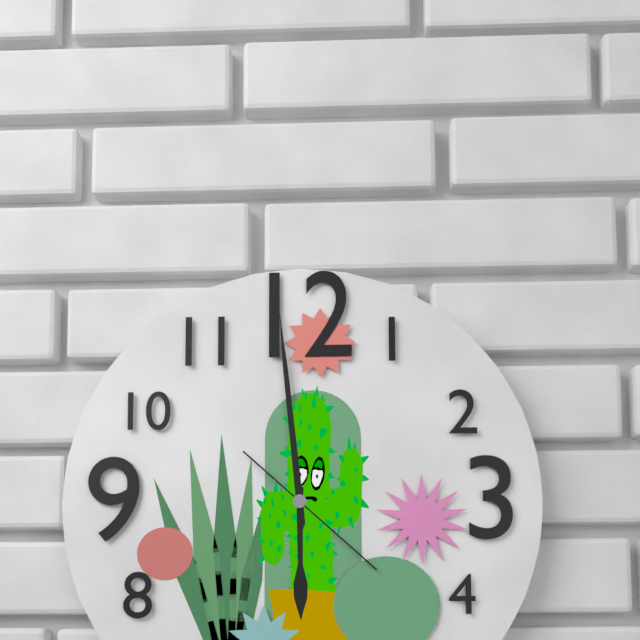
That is h=5 m=59 s=22
